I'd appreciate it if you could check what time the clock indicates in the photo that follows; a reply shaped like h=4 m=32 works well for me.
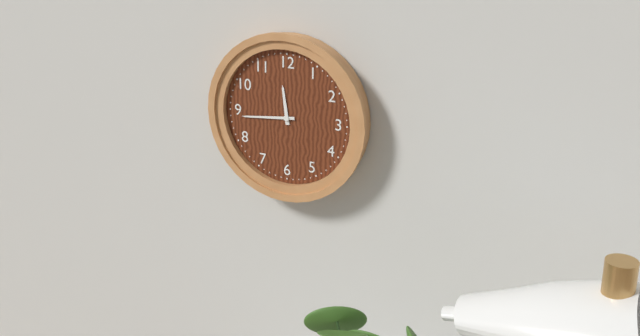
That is h=11 m=44
